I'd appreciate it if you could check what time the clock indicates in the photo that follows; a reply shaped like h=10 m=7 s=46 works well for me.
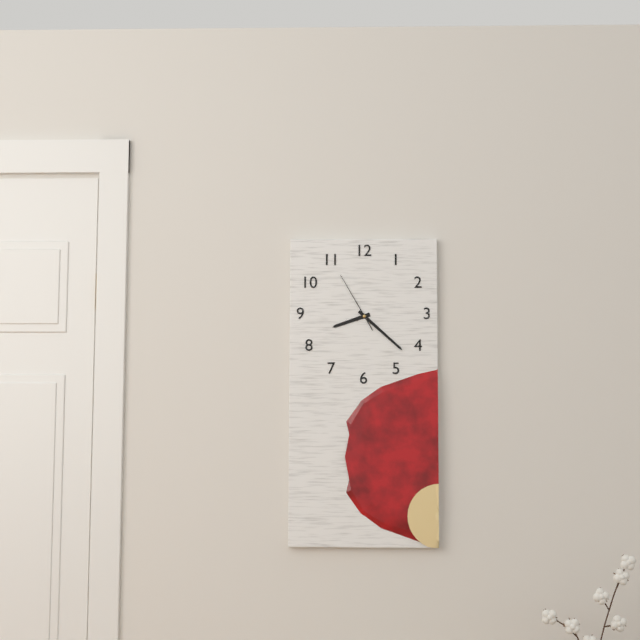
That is h=8 m=22 s=55
